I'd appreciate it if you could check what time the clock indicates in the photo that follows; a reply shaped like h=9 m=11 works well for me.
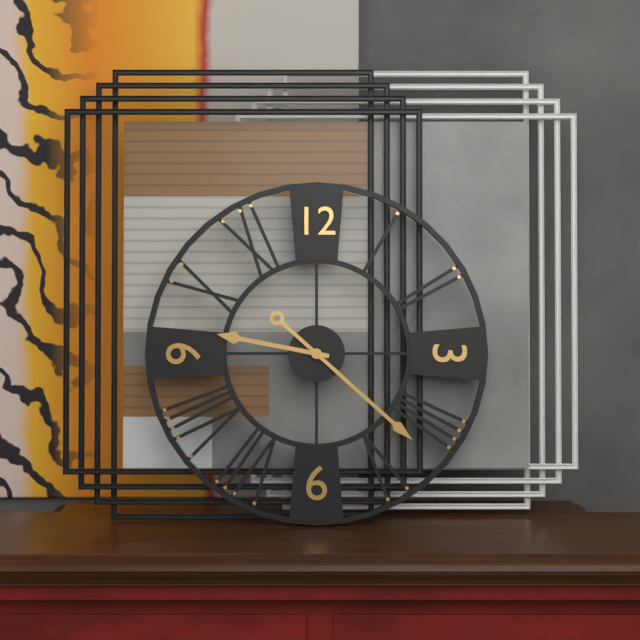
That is h=9 m=22
